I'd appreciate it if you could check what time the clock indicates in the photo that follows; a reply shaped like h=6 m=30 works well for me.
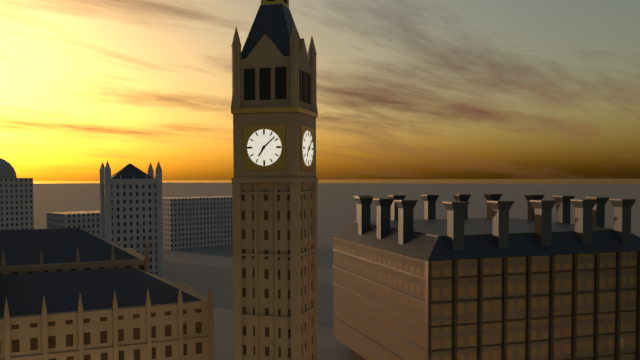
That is h=7 m=8
